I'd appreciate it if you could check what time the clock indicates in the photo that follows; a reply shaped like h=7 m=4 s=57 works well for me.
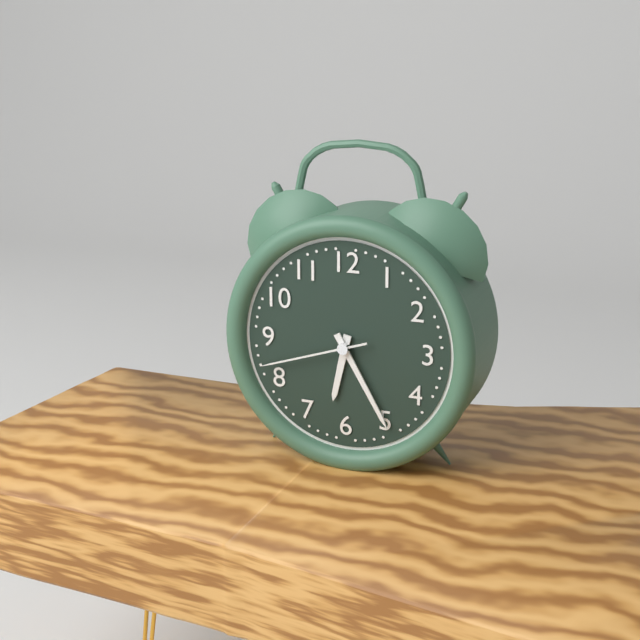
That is h=6 m=25 s=42
